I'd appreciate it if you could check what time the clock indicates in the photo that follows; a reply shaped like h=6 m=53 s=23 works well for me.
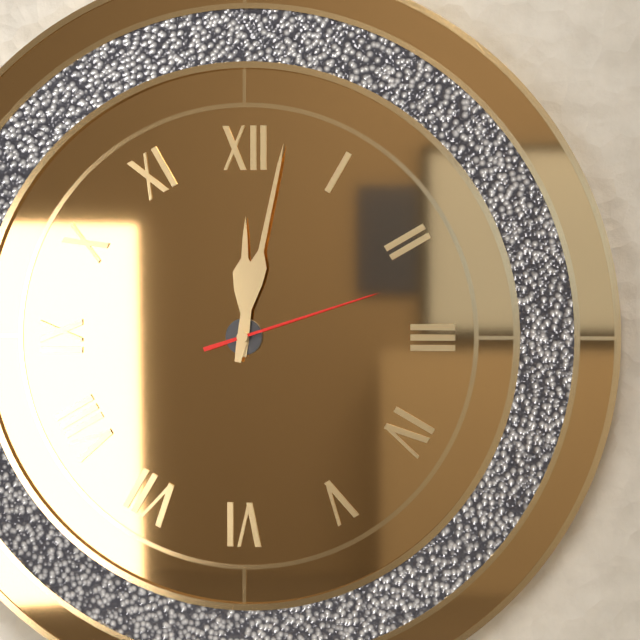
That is h=12 m=2 s=12
